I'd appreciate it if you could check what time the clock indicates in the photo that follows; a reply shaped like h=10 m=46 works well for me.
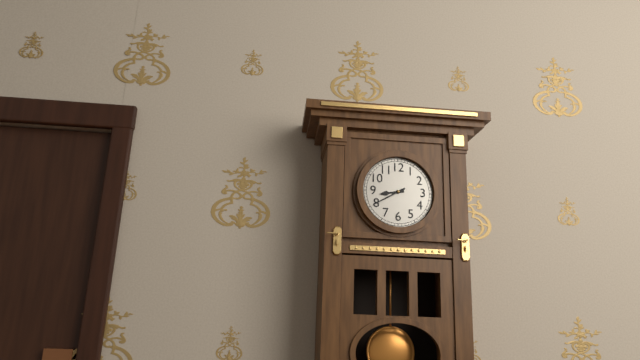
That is h=8 m=40
